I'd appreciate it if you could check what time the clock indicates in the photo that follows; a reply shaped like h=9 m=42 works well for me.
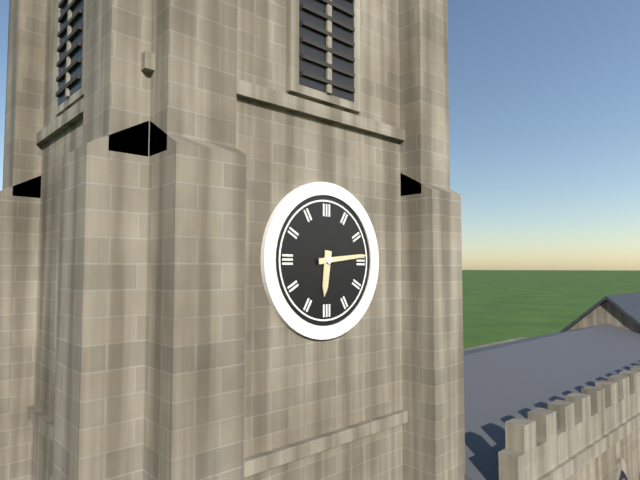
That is h=6 m=14
